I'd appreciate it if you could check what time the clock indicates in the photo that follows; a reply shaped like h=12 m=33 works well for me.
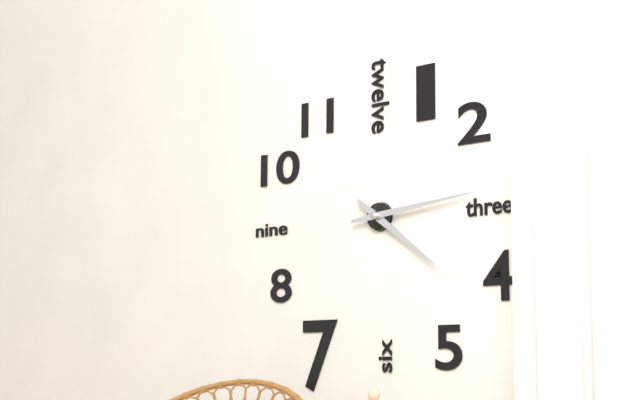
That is h=4 m=14
